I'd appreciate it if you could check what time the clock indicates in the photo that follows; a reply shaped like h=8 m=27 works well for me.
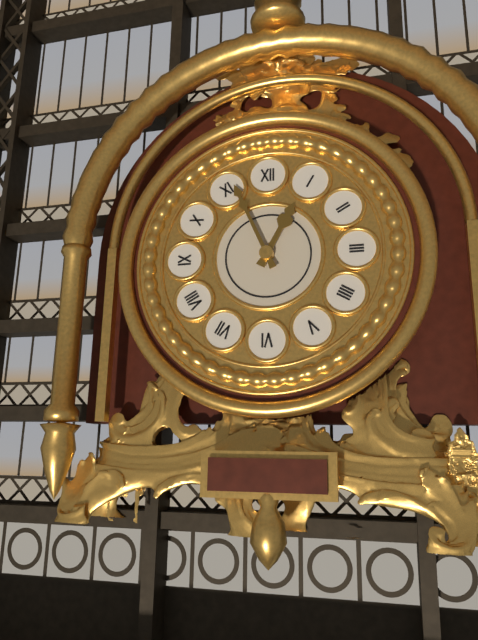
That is h=12 m=56
